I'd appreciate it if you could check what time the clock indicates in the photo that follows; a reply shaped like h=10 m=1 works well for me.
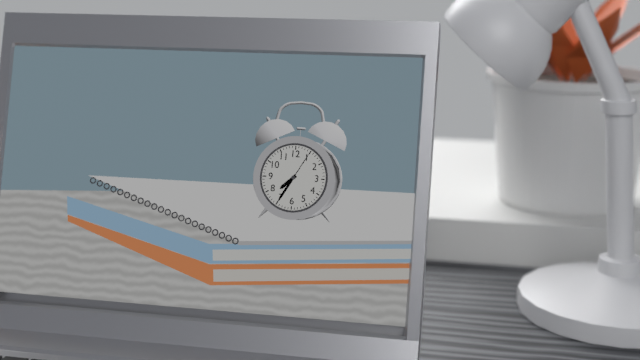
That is h=7 m=35
